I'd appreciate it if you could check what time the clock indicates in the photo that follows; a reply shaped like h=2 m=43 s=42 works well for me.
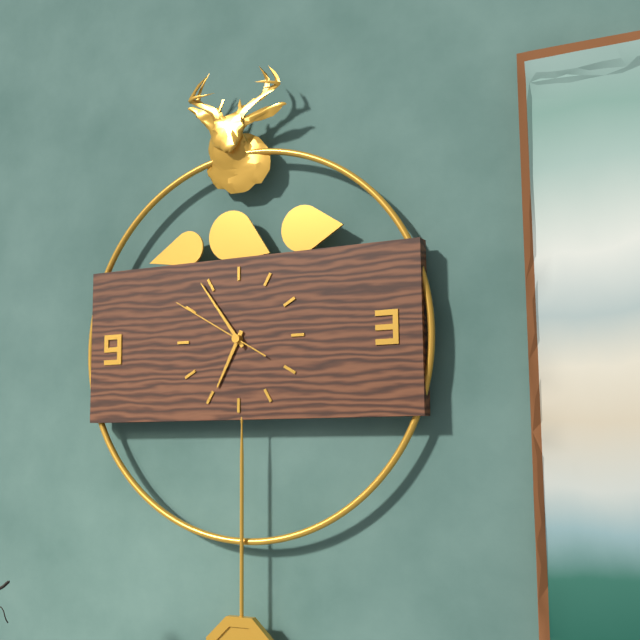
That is h=6 m=54 s=50
